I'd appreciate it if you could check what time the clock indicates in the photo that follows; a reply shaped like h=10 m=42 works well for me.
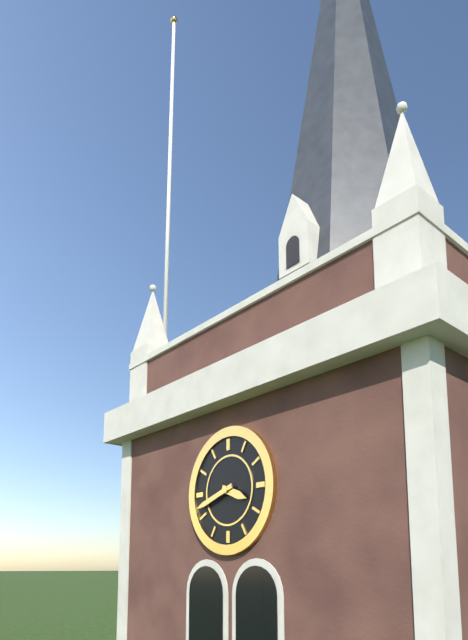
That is h=3 m=42
